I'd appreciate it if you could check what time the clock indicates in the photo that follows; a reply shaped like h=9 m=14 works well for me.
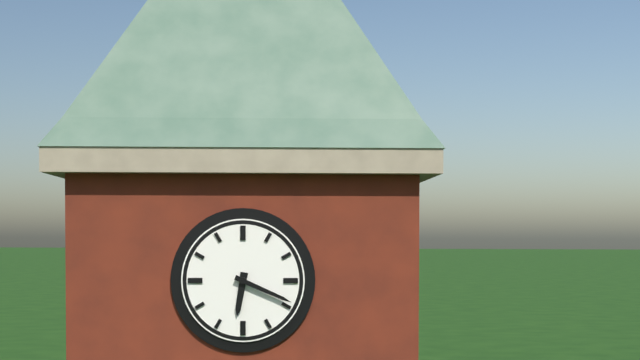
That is h=6 m=19
